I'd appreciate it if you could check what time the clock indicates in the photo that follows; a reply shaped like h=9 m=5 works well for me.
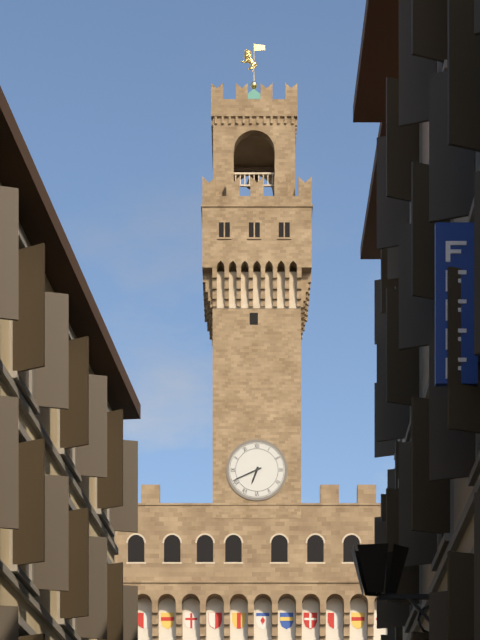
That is h=6 m=41
